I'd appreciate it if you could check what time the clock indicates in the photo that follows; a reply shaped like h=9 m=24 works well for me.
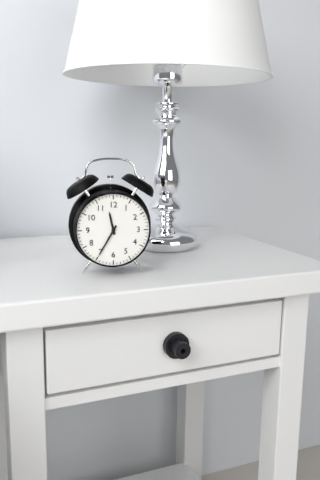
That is h=11 m=35
